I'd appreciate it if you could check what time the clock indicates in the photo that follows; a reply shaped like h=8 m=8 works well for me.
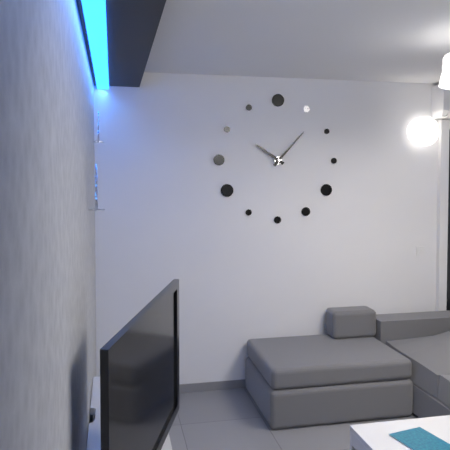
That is h=10 m=7
